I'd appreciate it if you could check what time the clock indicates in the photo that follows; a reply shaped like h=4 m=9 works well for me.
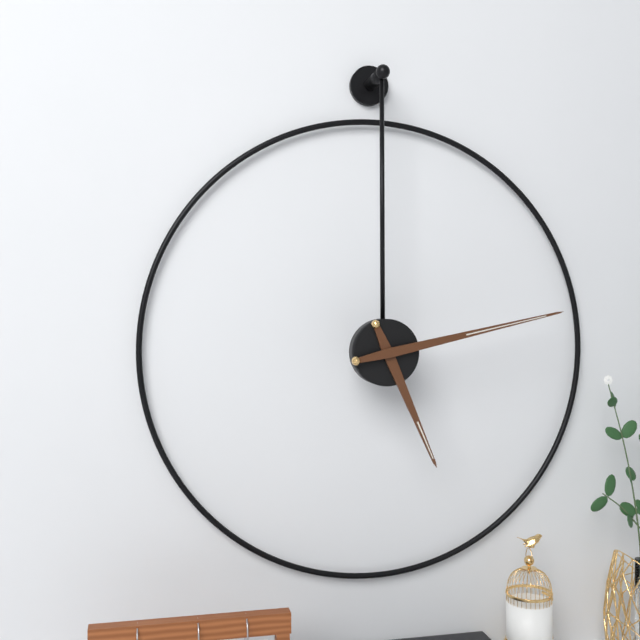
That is h=5 m=13
